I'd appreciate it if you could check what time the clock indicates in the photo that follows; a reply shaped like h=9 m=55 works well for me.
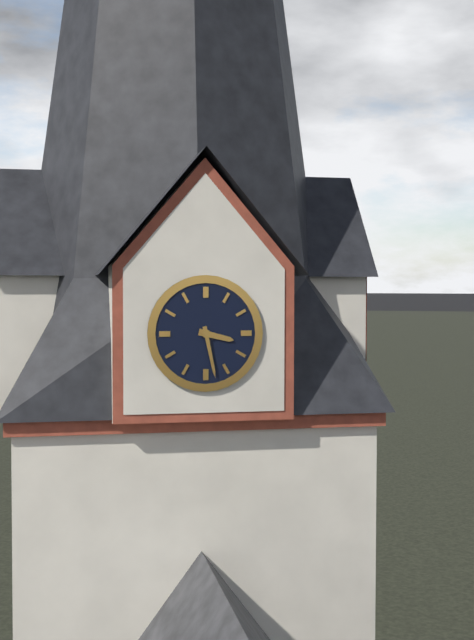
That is h=3 m=28
